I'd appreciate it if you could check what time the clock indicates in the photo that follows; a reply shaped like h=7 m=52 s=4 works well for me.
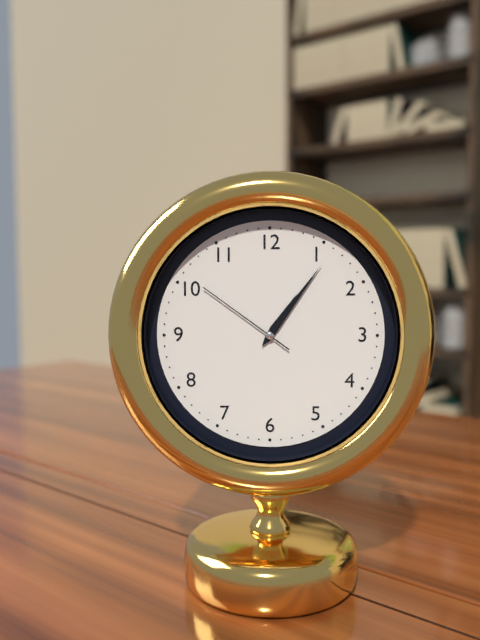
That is h=1 m=6 s=51
